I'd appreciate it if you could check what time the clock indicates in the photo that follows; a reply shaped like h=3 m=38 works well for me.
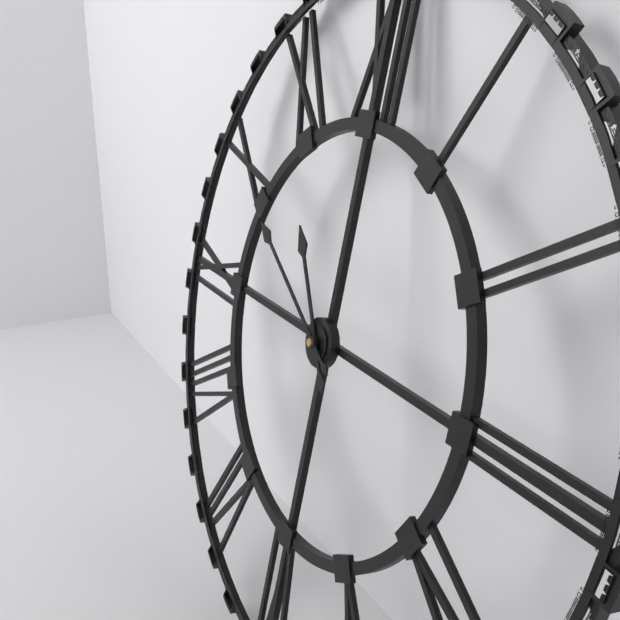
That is h=10 m=50
